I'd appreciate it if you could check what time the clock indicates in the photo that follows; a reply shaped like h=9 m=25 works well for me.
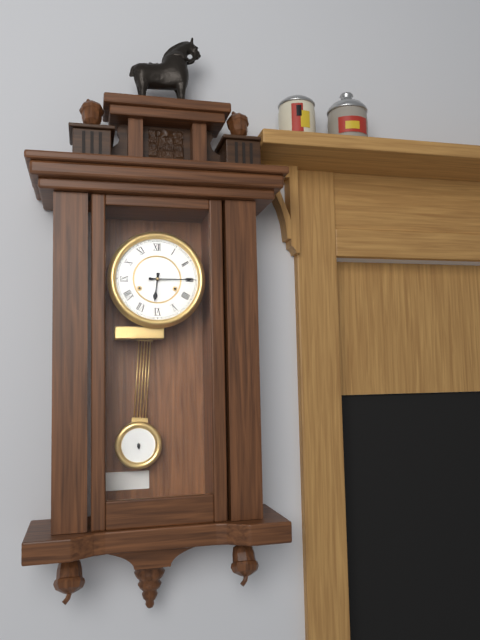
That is h=6 m=15
